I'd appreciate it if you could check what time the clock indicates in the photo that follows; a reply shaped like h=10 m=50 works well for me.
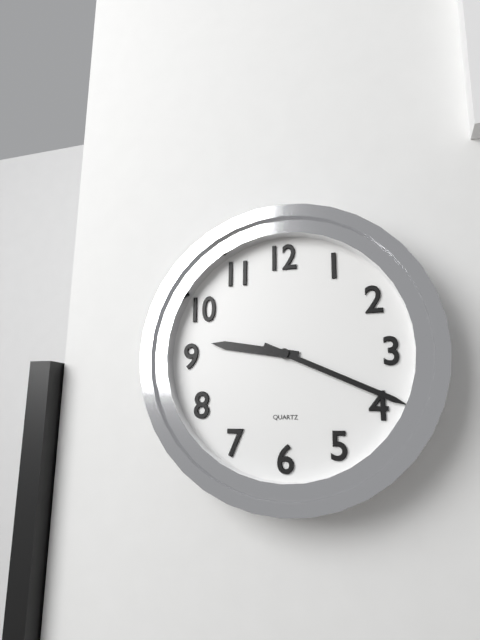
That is h=9 m=19
